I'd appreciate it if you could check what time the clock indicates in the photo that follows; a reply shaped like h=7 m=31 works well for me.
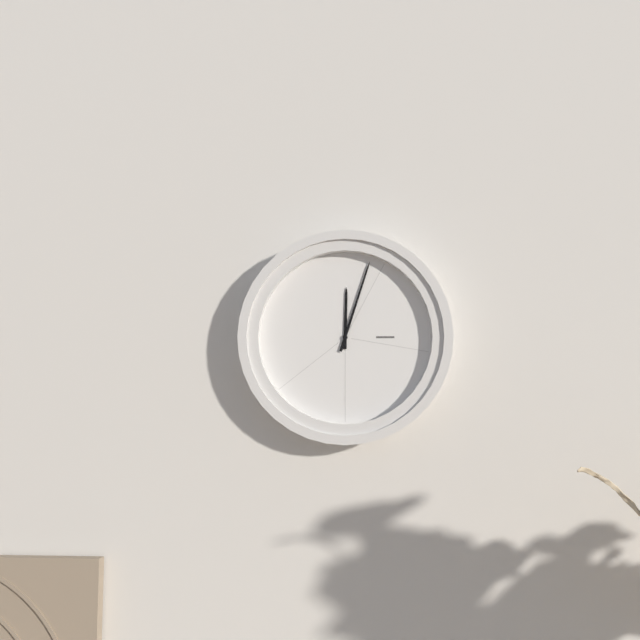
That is h=12 m=3
